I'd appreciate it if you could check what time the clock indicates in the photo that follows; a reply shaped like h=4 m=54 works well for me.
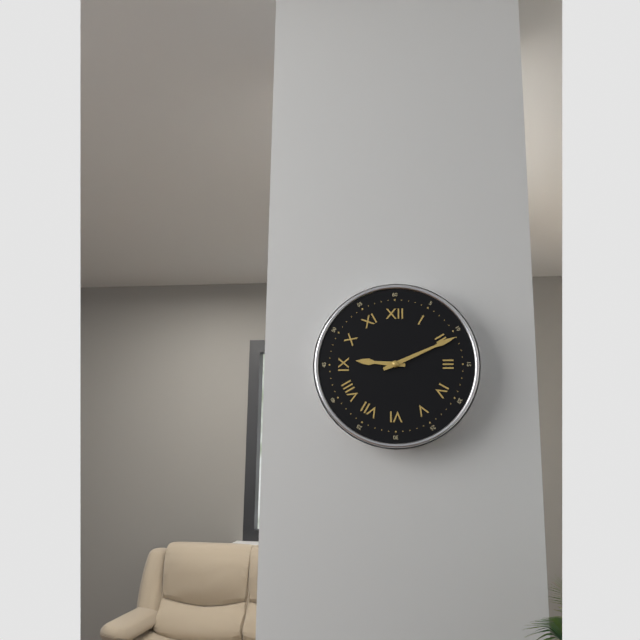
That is h=9 m=11
